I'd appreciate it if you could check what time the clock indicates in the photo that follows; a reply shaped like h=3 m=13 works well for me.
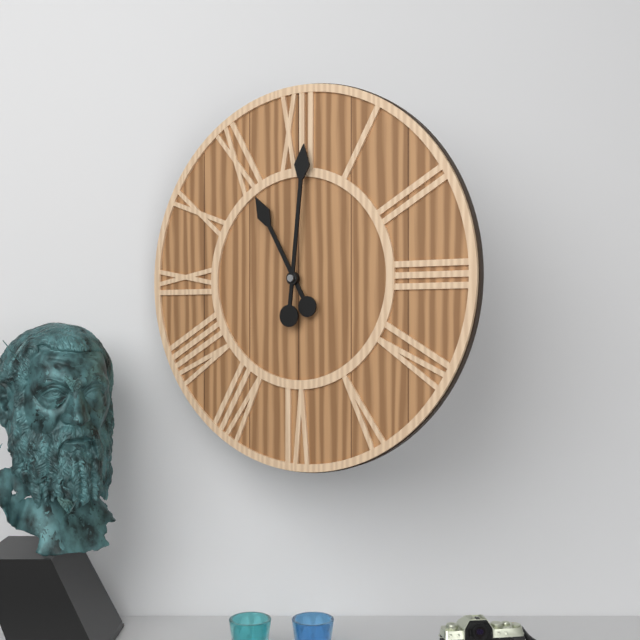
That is h=11 m=1
